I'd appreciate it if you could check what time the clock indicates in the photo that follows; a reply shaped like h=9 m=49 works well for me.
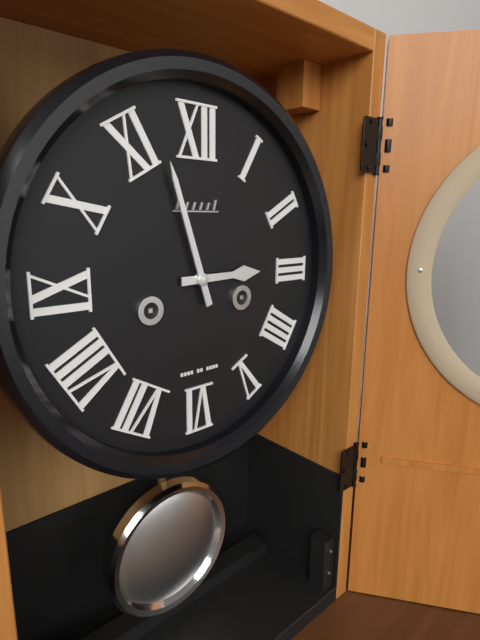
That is h=2 m=57
